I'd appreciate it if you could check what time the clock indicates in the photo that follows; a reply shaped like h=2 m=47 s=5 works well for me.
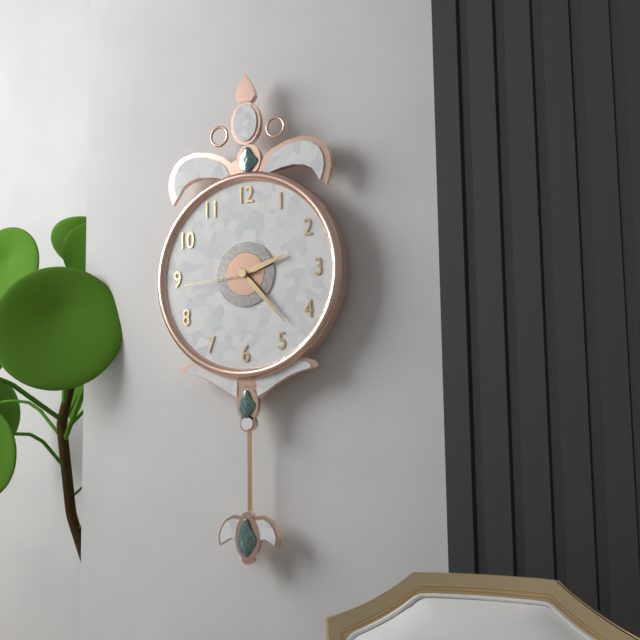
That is h=2 m=23 s=44
